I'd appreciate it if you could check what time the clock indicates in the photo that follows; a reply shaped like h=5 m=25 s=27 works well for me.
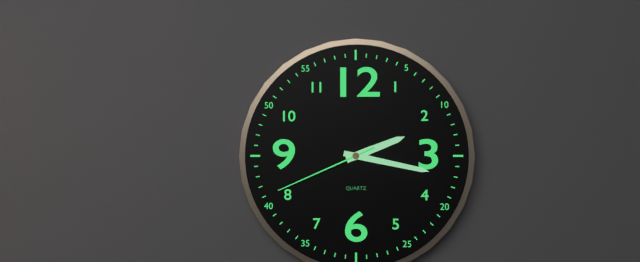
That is h=2 m=17 s=41
